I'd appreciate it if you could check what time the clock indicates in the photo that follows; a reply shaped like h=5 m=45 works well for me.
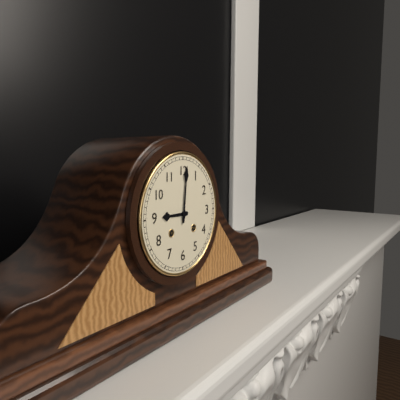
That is h=9 m=1
